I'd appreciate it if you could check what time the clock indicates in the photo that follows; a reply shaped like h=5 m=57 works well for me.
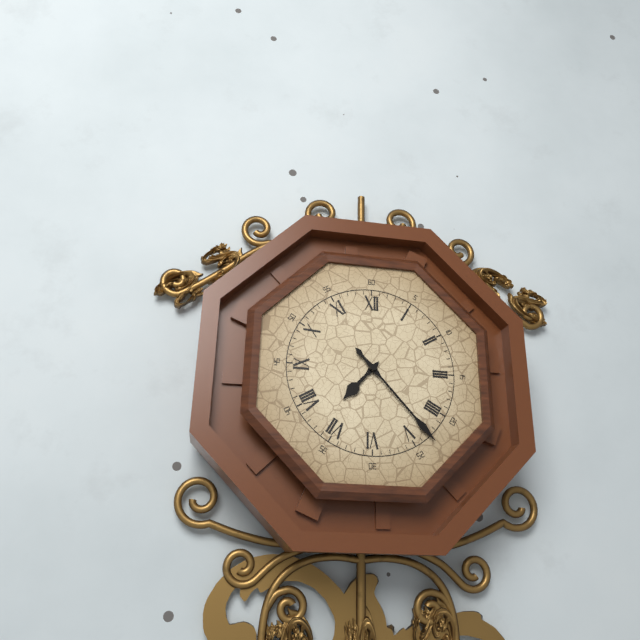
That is h=7 m=23
